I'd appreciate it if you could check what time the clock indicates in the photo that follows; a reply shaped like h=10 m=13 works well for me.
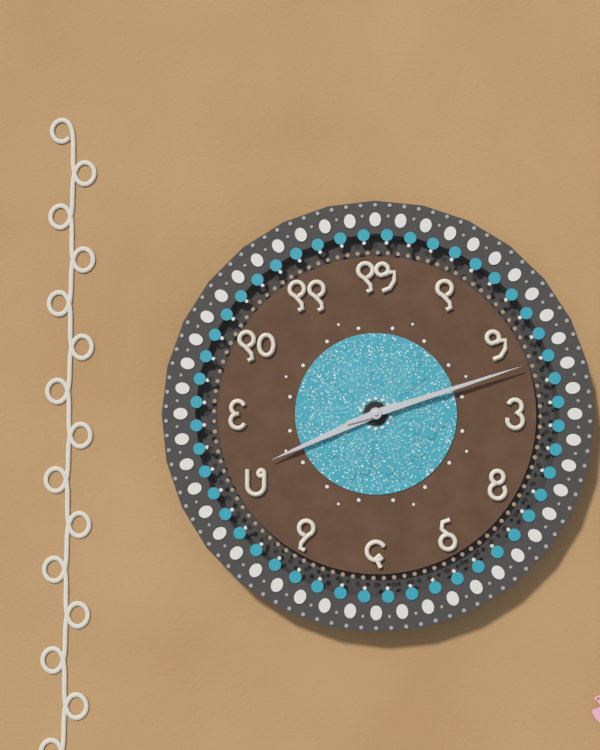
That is h=8 m=12
